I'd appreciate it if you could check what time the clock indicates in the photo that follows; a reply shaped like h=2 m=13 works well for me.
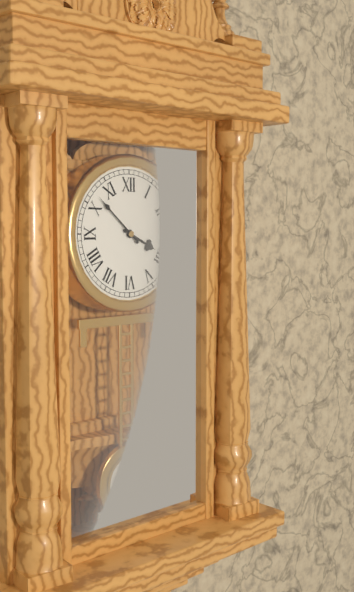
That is h=3 m=52
